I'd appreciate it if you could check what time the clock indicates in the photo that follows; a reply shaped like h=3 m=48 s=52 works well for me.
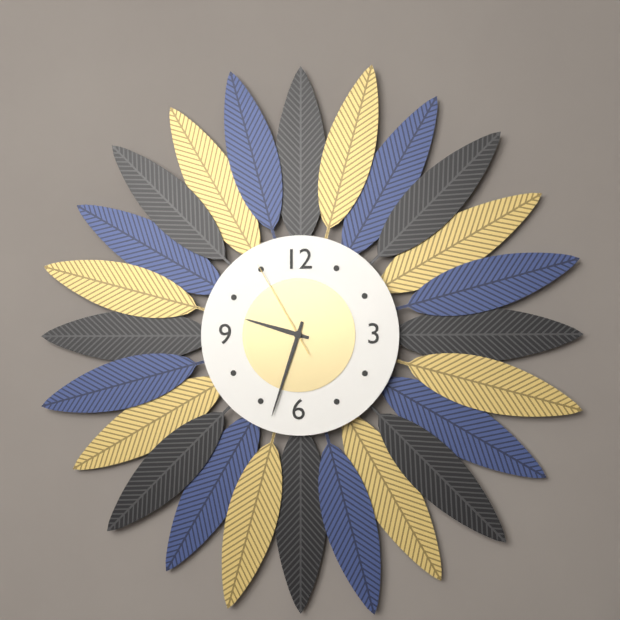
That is h=9 m=33 s=55
